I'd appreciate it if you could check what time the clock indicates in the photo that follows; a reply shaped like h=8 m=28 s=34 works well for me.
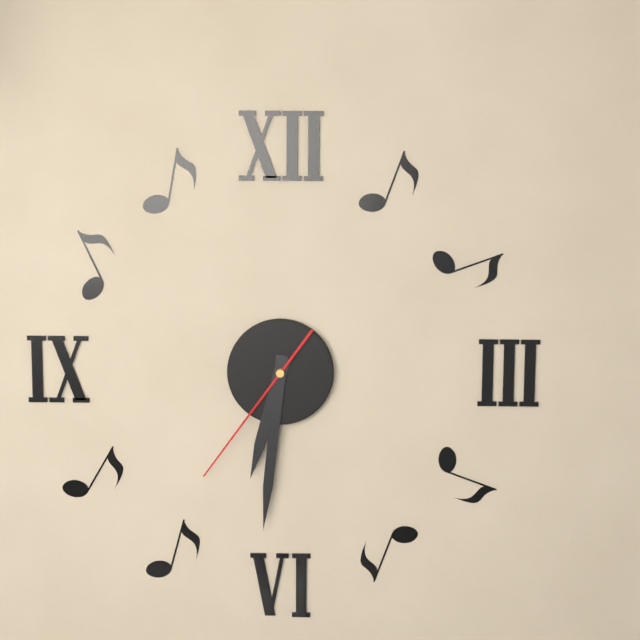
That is h=6 m=31 s=36
